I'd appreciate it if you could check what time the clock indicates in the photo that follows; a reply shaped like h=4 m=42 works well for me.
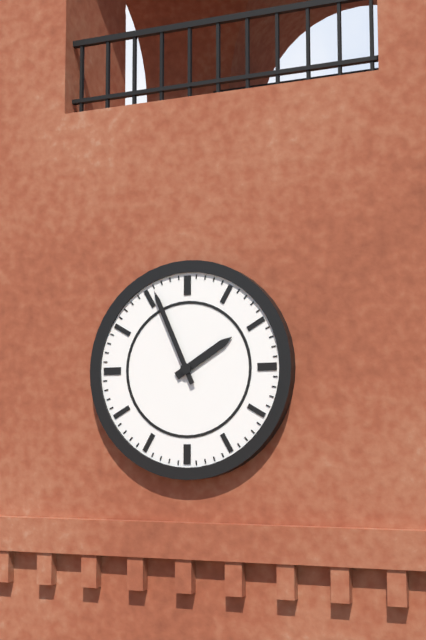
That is h=1 m=56
